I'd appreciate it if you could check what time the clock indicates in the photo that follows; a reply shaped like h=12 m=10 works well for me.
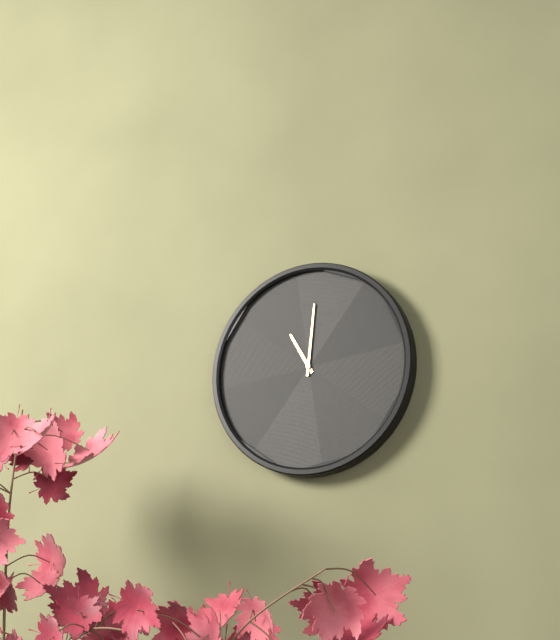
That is h=11 m=1
